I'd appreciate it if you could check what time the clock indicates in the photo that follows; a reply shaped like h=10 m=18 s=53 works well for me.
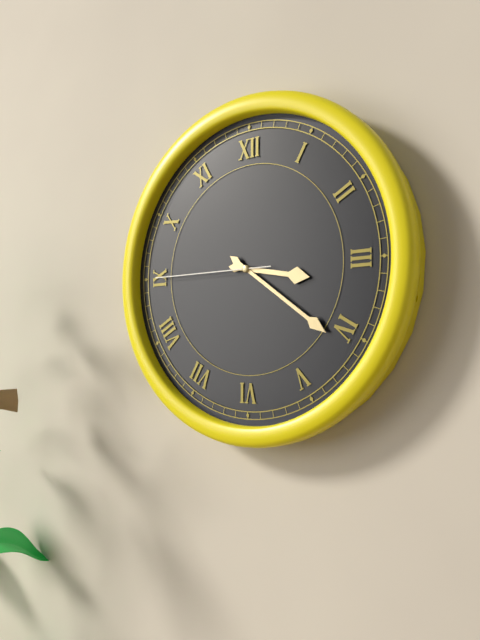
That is h=3 m=21 s=45
